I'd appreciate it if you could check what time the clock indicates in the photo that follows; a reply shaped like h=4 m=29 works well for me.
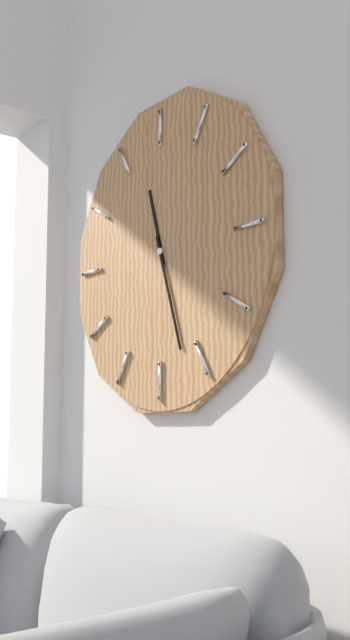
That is h=11 m=27
